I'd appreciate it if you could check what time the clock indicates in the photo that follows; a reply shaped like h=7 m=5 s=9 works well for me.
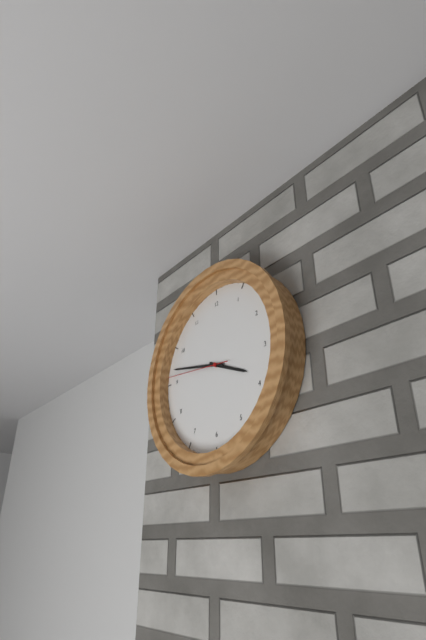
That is h=3 m=47 s=46
